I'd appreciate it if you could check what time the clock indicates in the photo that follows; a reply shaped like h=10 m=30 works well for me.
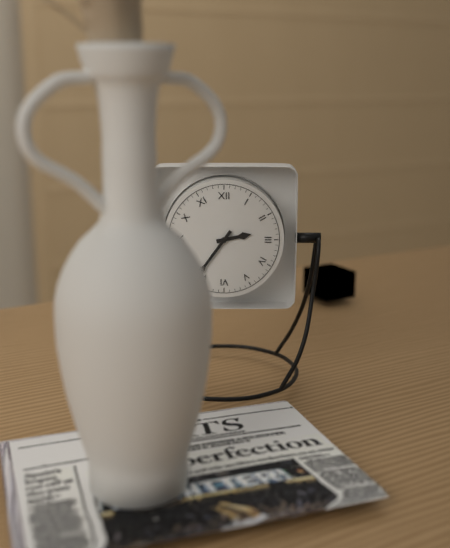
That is h=2 m=36
